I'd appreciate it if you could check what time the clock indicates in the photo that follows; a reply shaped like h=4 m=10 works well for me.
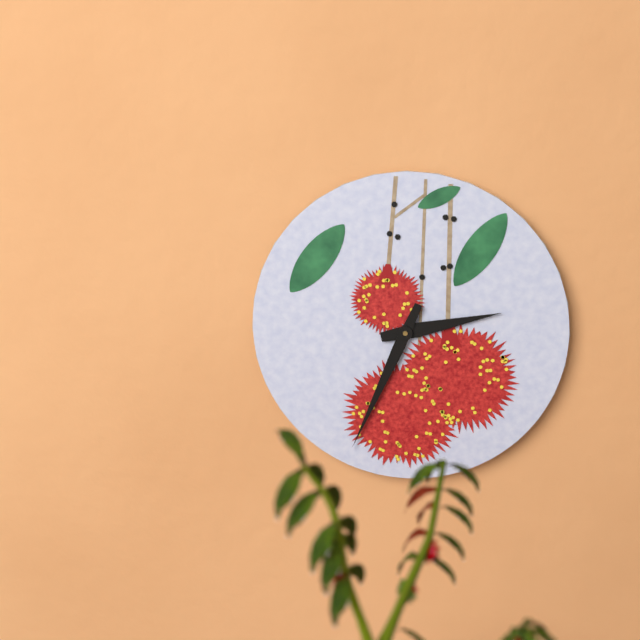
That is h=2 m=34
